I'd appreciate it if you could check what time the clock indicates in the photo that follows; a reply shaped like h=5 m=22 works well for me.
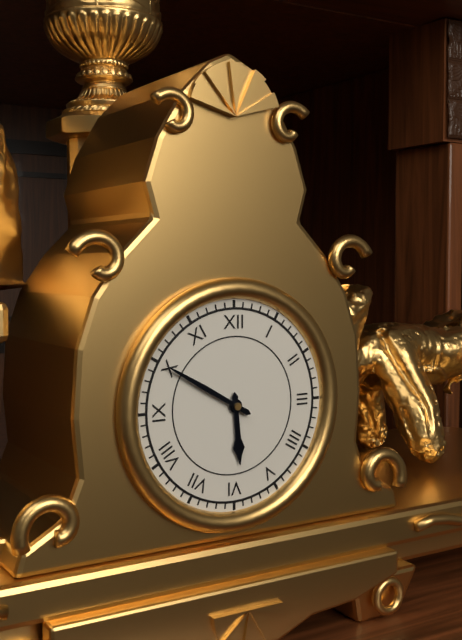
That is h=5 m=50
